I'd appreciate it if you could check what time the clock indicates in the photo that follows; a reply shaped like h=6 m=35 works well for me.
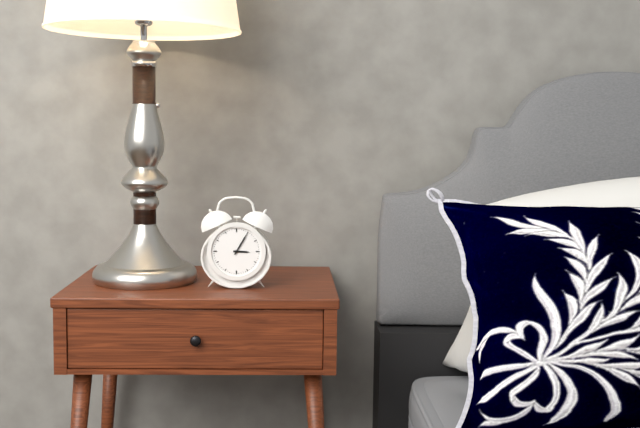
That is h=3 m=5
